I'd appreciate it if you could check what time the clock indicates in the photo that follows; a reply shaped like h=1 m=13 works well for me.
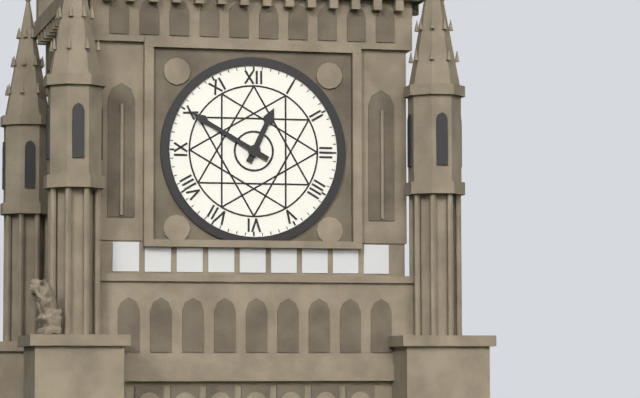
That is h=12 m=50
